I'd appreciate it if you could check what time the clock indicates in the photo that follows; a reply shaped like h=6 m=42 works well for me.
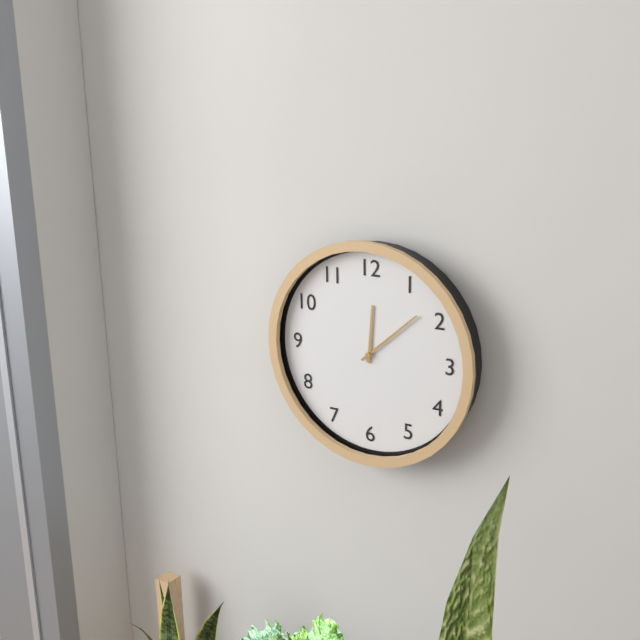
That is h=12 m=8
